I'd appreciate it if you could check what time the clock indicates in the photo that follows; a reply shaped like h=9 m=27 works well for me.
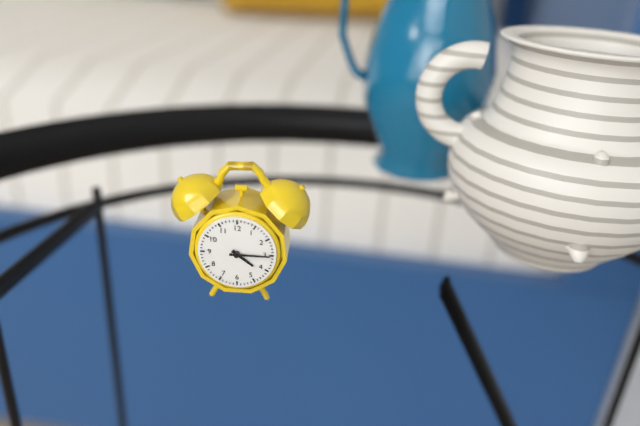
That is h=4 m=15
